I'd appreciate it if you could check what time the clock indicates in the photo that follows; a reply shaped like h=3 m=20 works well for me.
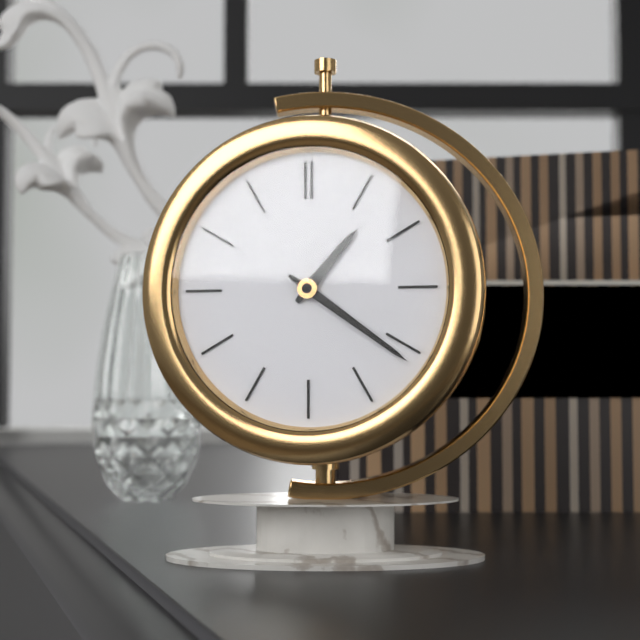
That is h=1 m=21
